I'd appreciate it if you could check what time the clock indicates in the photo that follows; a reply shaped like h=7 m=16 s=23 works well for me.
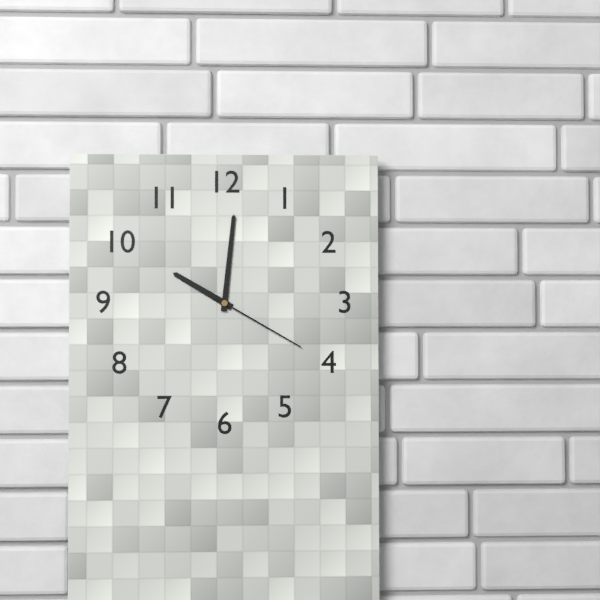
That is h=10 m=1 s=20
